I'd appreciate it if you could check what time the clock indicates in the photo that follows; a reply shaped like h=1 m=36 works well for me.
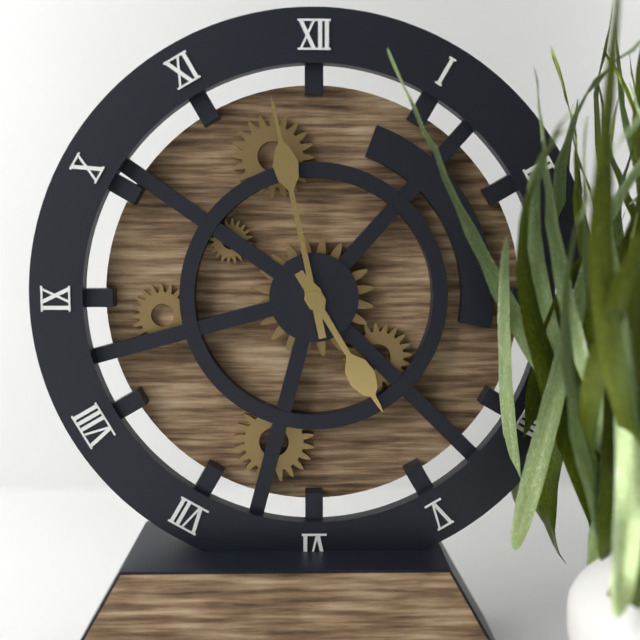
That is h=4 m=58
